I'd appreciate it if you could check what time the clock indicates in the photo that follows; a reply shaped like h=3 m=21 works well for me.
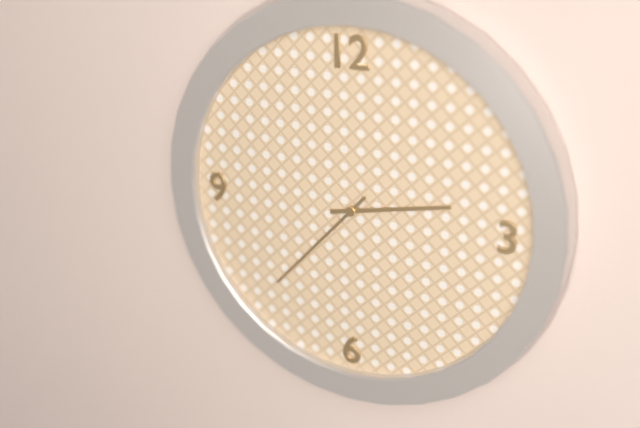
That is h=2 m=37
